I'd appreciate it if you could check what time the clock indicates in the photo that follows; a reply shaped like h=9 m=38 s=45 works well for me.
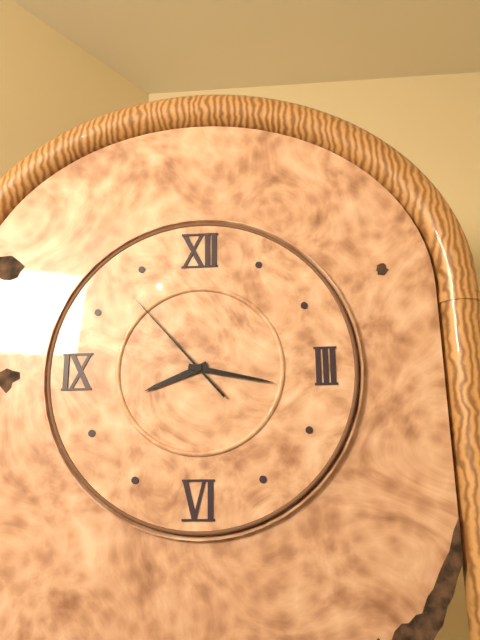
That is h=8 m=17 s=53
